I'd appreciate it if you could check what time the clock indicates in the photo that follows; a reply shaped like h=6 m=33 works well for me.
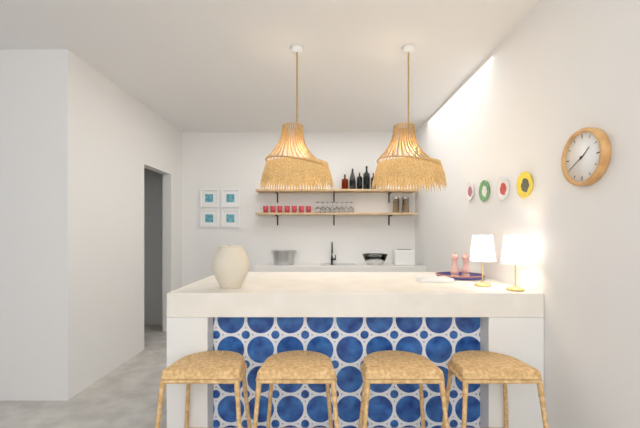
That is h=1 m=40
